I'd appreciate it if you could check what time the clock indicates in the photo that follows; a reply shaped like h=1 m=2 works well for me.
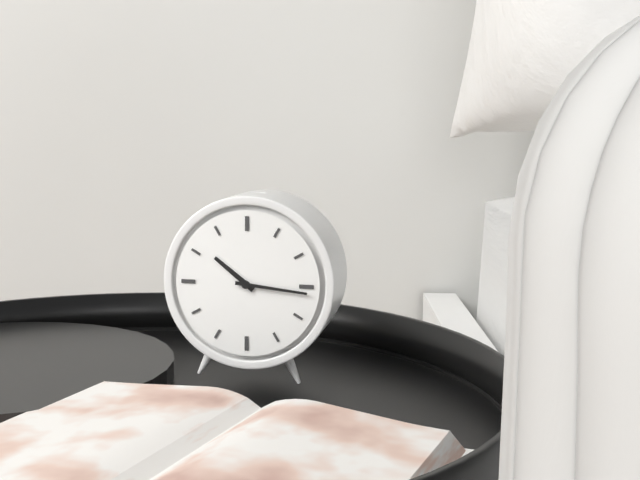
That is h=10 m=16
